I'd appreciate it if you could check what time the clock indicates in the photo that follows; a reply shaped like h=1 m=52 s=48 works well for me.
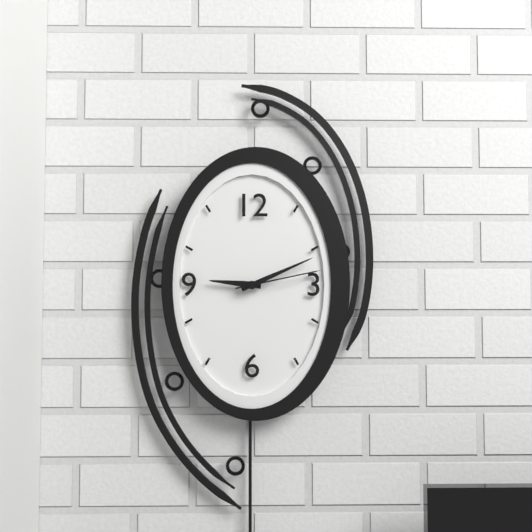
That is h=9 m=11 s=13
